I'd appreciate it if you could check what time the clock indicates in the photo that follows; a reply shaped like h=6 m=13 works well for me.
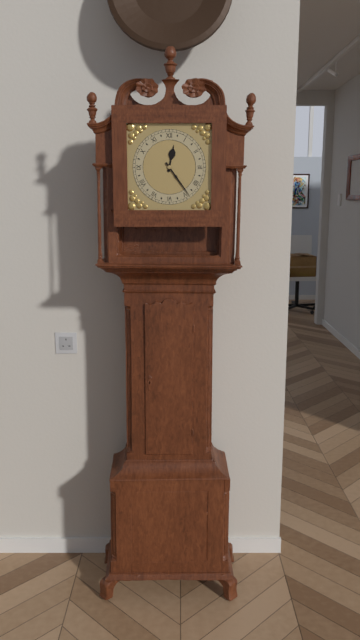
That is h=12 m=24
